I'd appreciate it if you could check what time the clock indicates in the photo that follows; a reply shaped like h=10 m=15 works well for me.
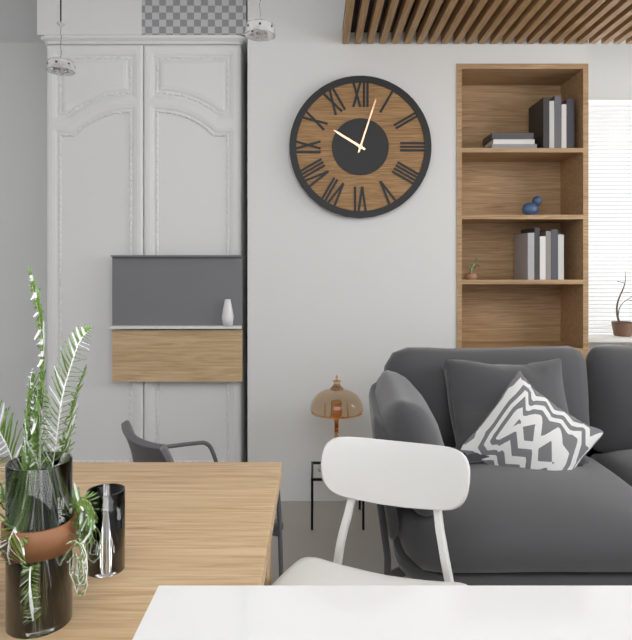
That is h=10 m=3
